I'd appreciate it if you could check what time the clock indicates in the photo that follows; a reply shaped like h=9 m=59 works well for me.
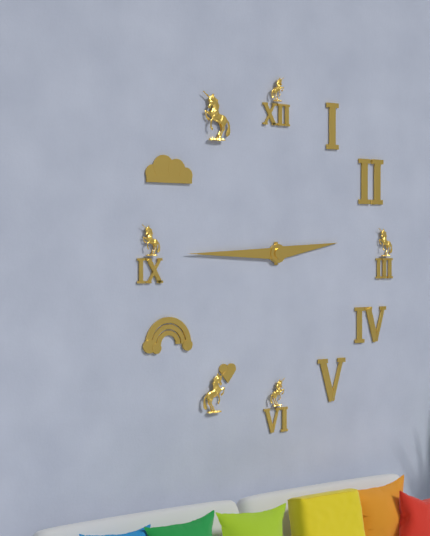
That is h=2 m=45
